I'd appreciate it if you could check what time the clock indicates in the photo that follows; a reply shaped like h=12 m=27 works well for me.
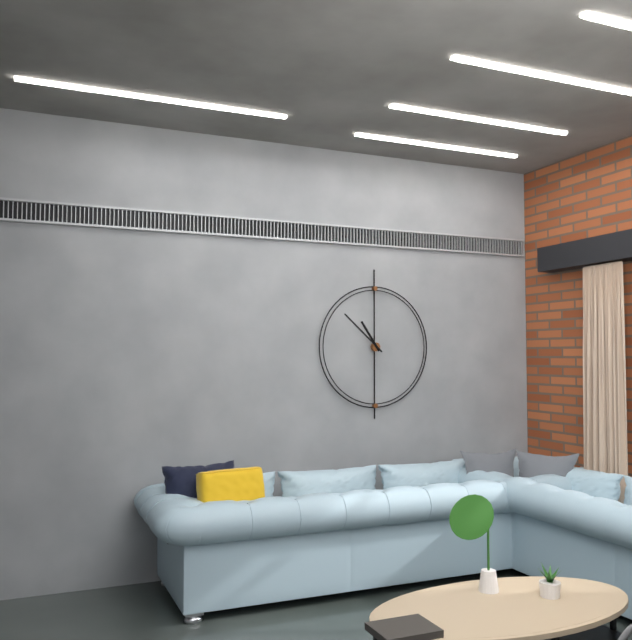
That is h=10 m=52
